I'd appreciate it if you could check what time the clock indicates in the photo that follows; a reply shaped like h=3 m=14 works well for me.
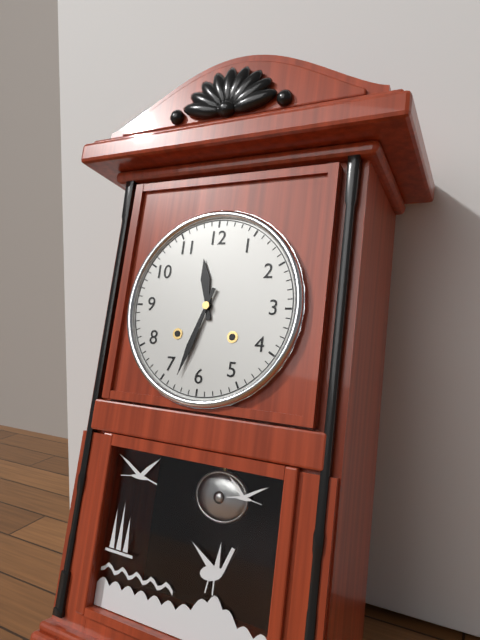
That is h=11 m=33
